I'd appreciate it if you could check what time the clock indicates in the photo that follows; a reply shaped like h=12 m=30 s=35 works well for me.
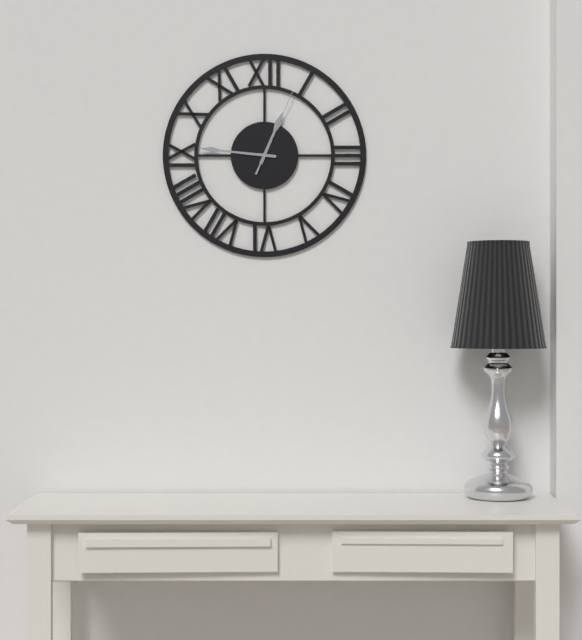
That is h=12 m=46 s=4
